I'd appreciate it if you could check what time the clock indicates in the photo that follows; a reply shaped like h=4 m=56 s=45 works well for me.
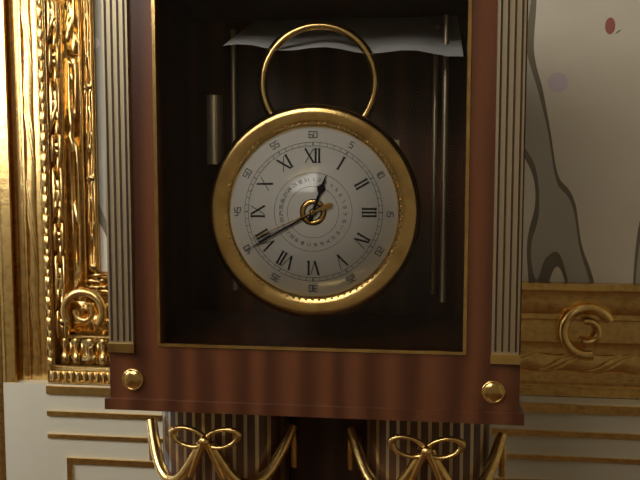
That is h=12 m=40 s=41
